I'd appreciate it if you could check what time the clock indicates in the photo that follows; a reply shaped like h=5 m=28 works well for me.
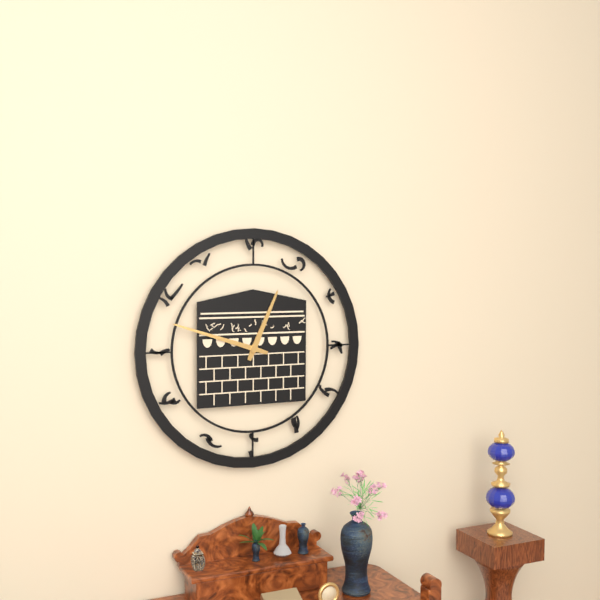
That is h=12 m=48
